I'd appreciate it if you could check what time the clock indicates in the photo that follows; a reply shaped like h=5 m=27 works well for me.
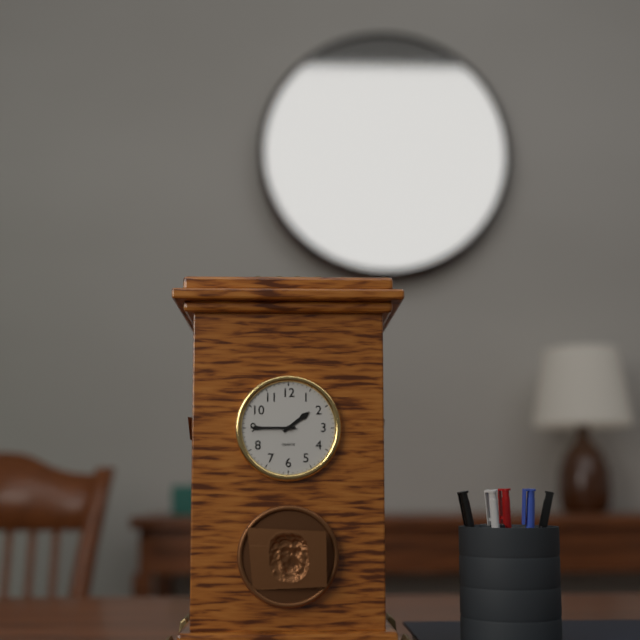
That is h=1 m=45
